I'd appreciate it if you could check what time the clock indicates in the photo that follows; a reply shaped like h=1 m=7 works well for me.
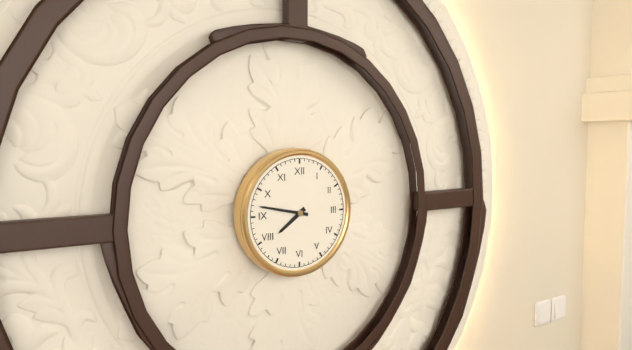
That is h=7 m=47
